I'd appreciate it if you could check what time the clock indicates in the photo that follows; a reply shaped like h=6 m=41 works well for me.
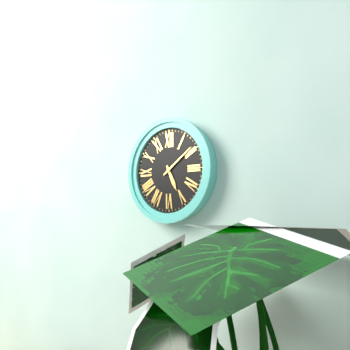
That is h=5 m=9
